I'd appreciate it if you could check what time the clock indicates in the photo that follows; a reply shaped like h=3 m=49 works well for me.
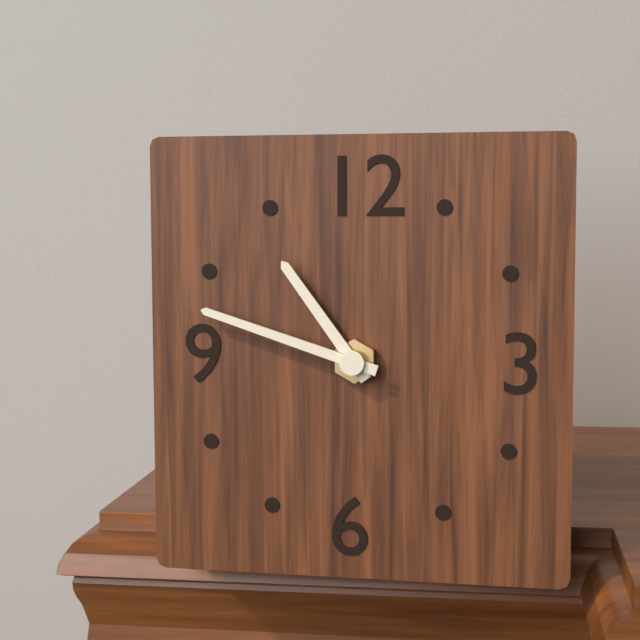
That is h=10 m=48
